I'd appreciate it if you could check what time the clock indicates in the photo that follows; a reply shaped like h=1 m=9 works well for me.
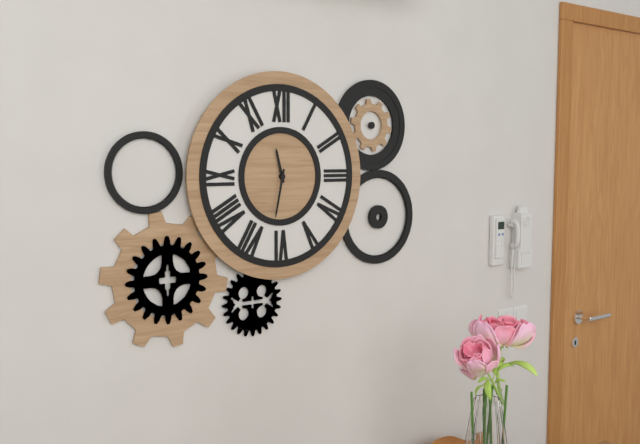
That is h=11 m=32
